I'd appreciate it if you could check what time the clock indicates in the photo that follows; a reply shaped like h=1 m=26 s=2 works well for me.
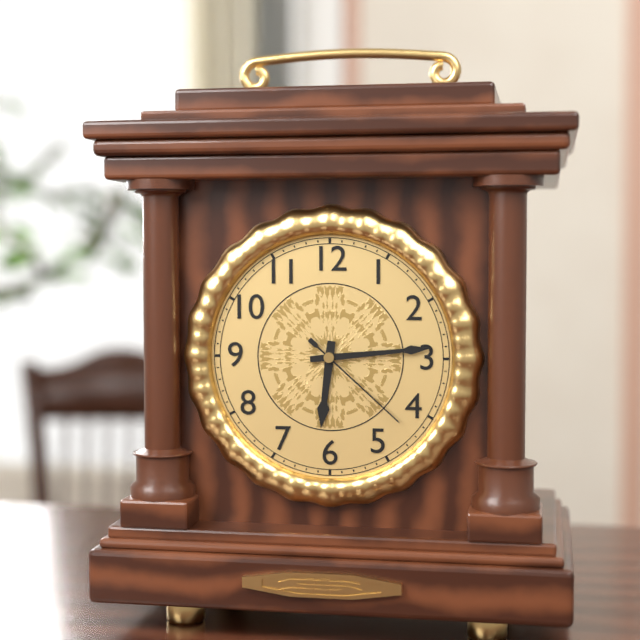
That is h=6 m=14 s=22
